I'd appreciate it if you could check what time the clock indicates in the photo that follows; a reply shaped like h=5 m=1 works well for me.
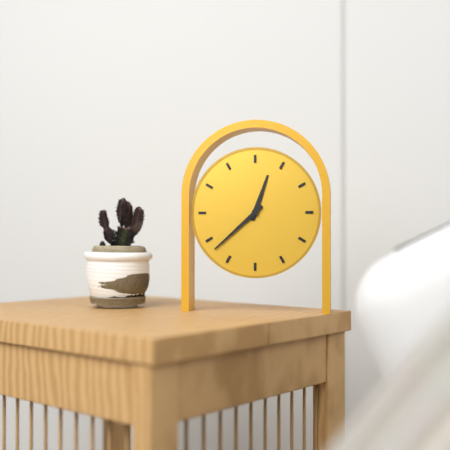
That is h=12 m=38
